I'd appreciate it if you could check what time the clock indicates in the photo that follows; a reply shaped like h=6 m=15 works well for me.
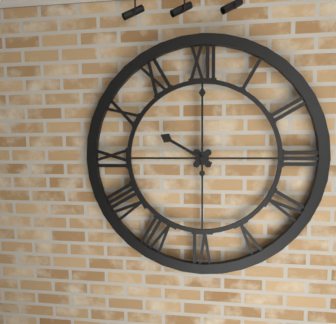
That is h=10 m=0
